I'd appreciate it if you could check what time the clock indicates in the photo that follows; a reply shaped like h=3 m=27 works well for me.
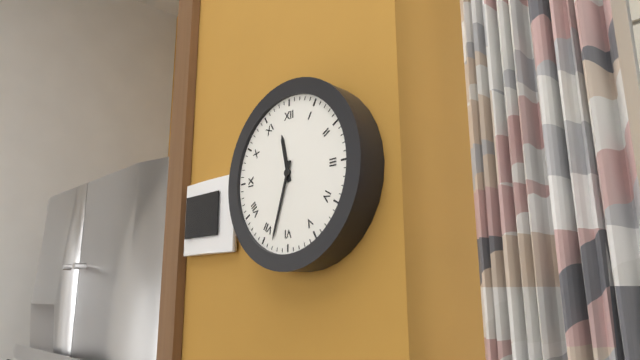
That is h=11 m=33
